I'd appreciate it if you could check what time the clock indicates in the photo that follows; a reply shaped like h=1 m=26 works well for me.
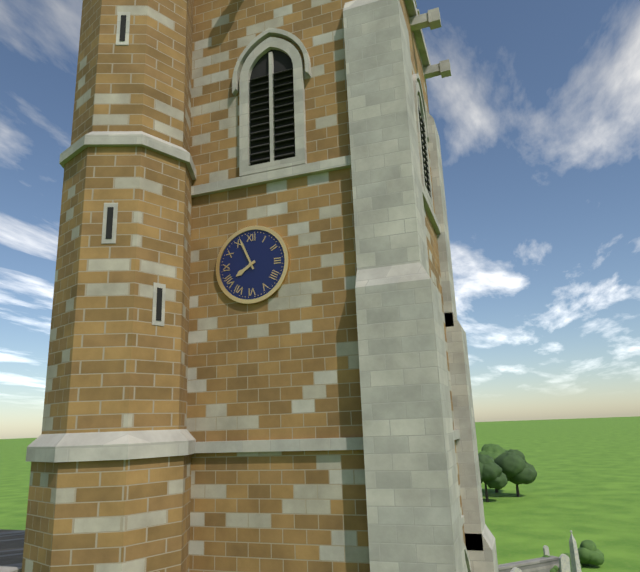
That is h=7 m=56
